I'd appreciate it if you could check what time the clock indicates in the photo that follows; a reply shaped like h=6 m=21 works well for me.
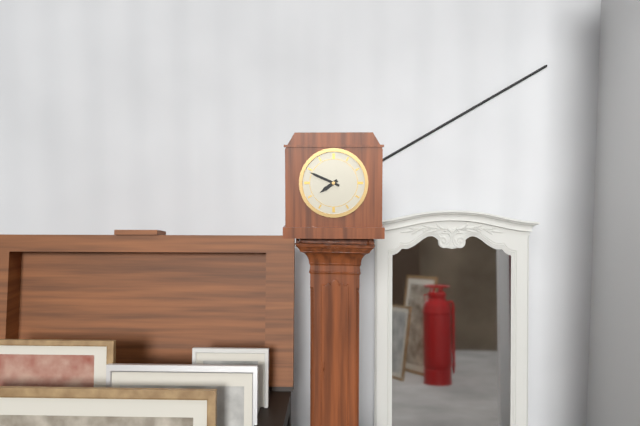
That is h=7 m=49
